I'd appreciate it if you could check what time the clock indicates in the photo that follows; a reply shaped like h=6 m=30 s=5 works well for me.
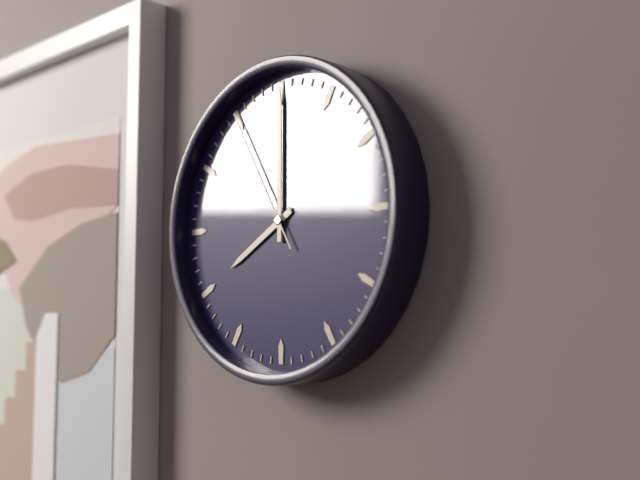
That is h=8 m=0 s=55
